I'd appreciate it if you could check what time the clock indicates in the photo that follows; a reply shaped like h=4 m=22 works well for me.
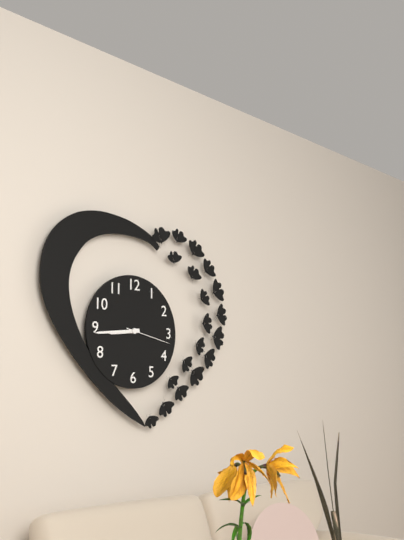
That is h=8 m=44
